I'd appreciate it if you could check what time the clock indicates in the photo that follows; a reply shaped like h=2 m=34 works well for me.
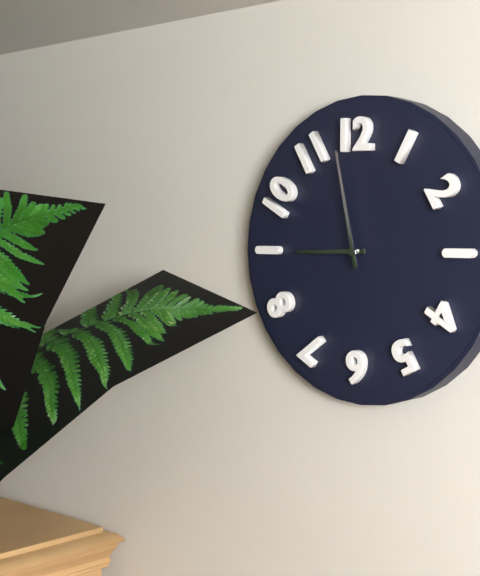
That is h=8 m=58
